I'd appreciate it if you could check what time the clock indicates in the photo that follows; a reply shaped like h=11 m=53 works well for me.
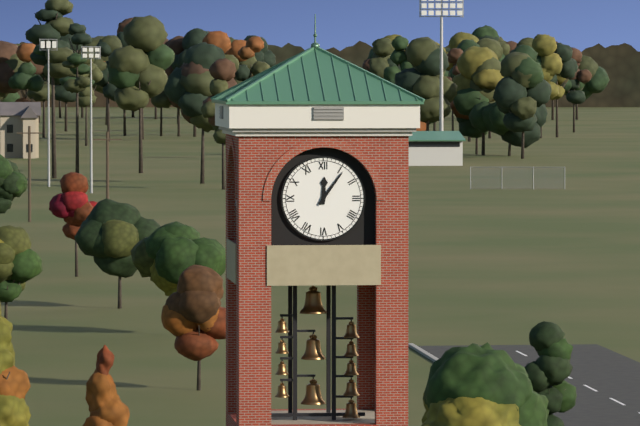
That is h=12 m=6
